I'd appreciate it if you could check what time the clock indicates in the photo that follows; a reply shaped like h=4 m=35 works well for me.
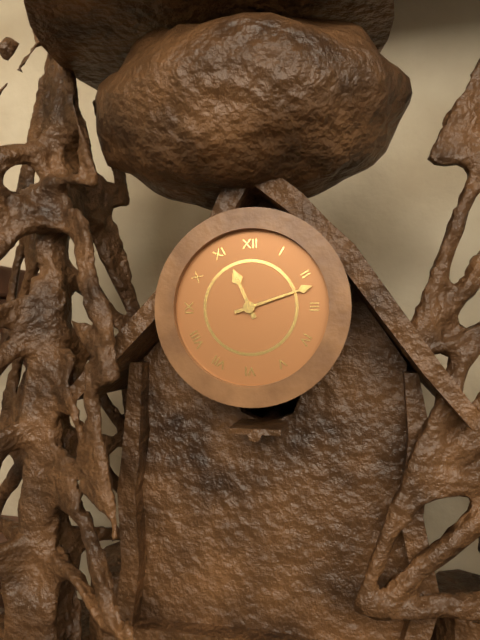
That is h=11 m=12
